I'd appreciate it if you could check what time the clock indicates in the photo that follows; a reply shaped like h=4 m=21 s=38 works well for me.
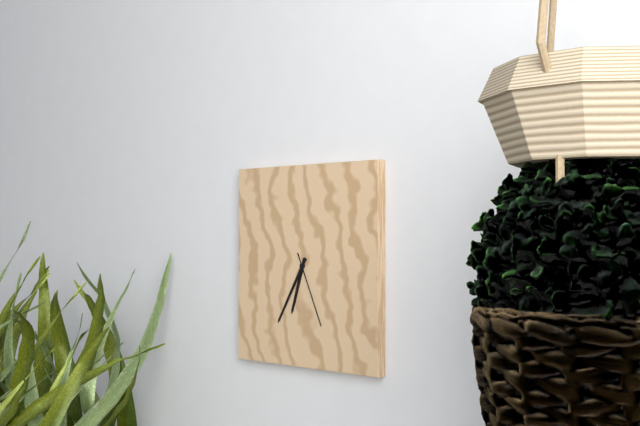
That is h=6 m=35 s=26
